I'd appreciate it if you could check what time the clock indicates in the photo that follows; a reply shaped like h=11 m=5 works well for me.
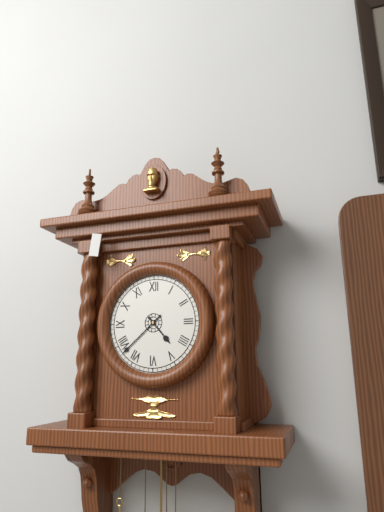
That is h=4 m=38
